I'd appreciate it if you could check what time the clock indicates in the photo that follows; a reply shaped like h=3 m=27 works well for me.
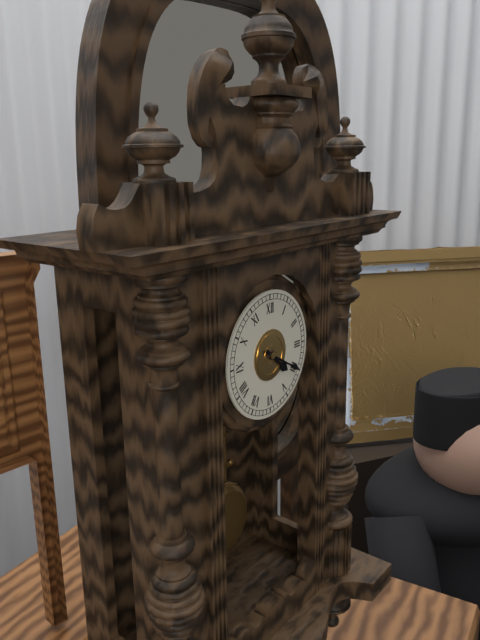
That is h=4 m=20
